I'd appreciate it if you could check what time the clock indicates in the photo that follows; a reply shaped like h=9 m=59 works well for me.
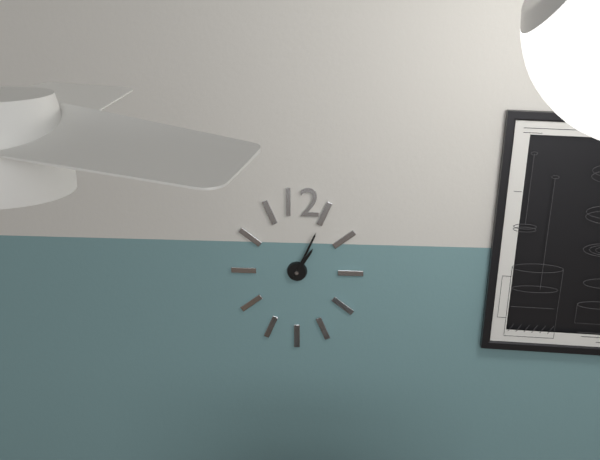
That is h=1 m=4
